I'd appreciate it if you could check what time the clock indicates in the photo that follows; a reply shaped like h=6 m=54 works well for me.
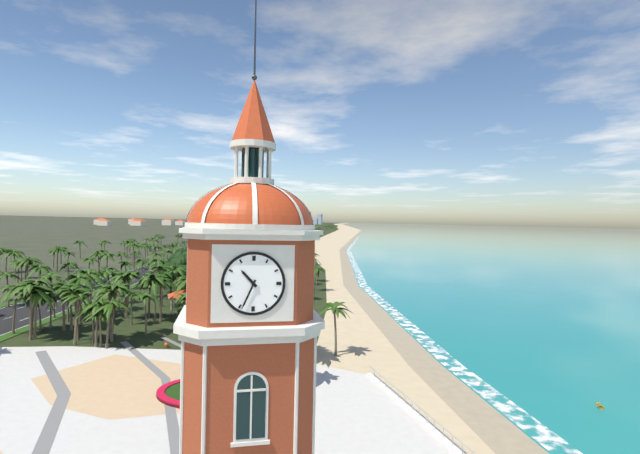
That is h=10 m=34
